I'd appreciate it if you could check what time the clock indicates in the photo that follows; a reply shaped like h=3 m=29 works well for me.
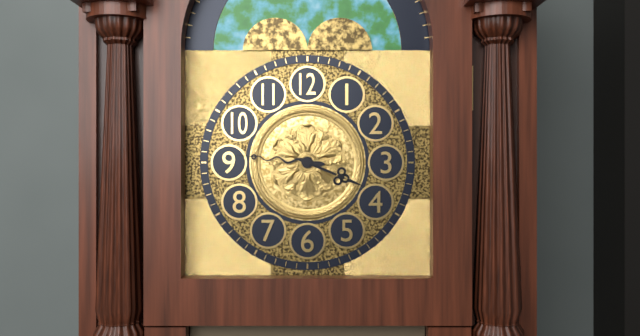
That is h=3 m=46
